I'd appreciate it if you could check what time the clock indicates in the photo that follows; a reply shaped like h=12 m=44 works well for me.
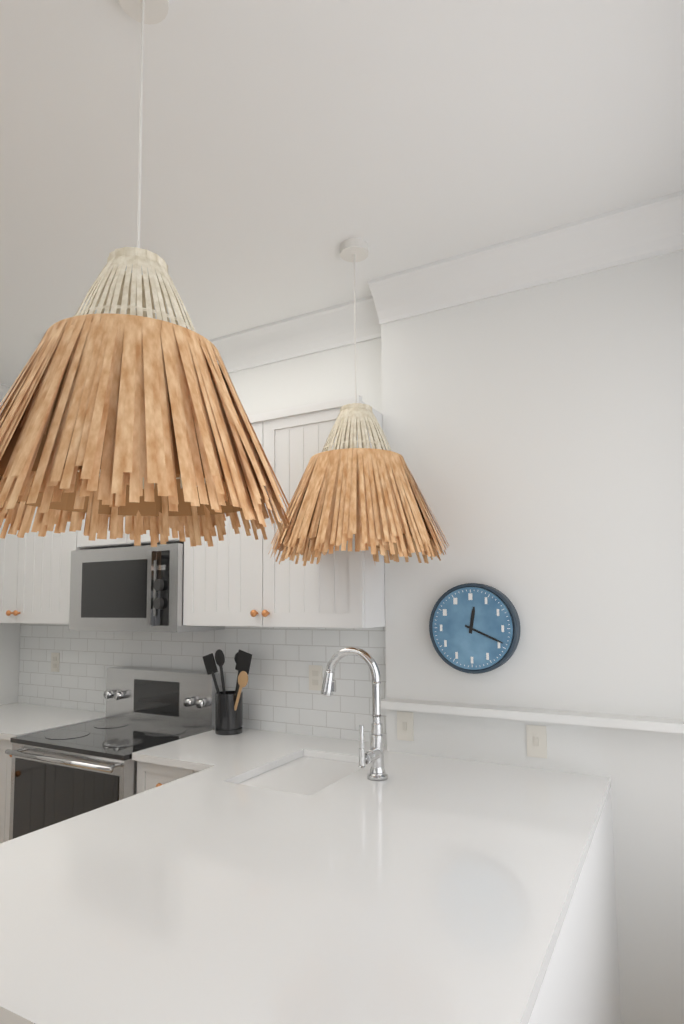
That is h=12 m=19
